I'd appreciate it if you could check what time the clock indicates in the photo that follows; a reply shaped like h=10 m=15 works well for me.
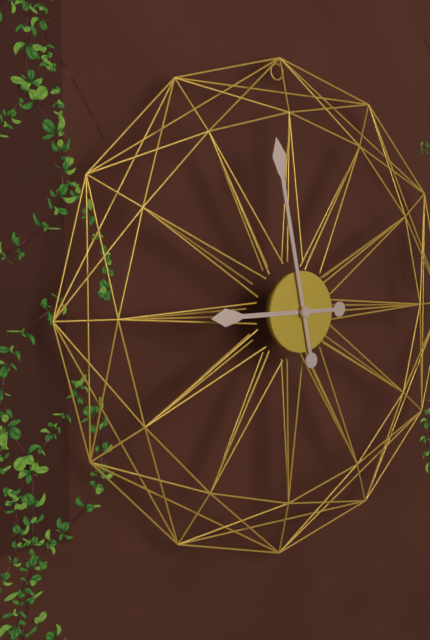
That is h=8 m=58
